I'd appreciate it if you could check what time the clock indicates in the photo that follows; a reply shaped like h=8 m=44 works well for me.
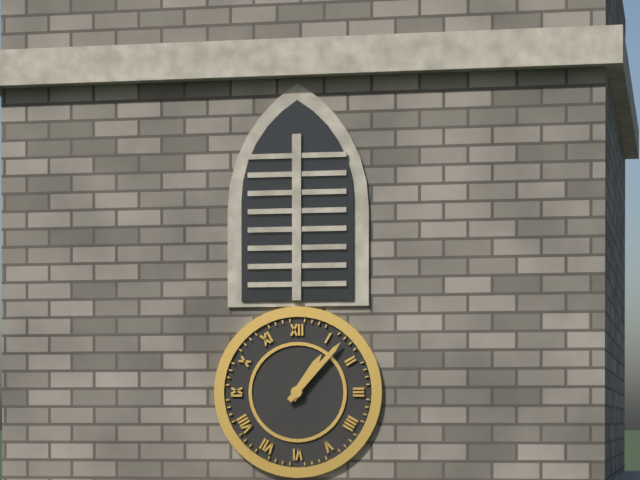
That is h=1 m=7
